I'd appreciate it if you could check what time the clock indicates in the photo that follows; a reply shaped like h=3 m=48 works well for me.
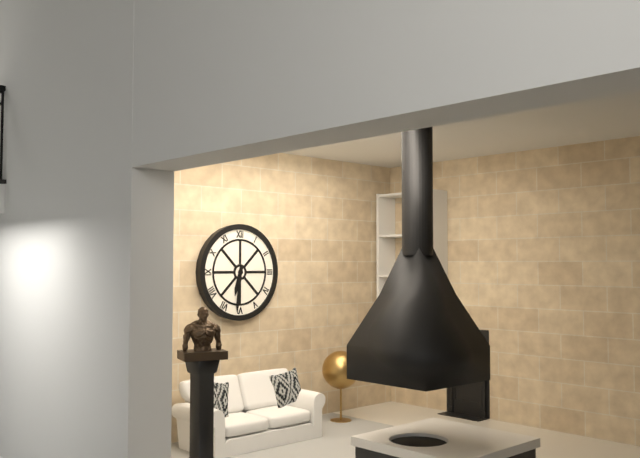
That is h=6 m=31
